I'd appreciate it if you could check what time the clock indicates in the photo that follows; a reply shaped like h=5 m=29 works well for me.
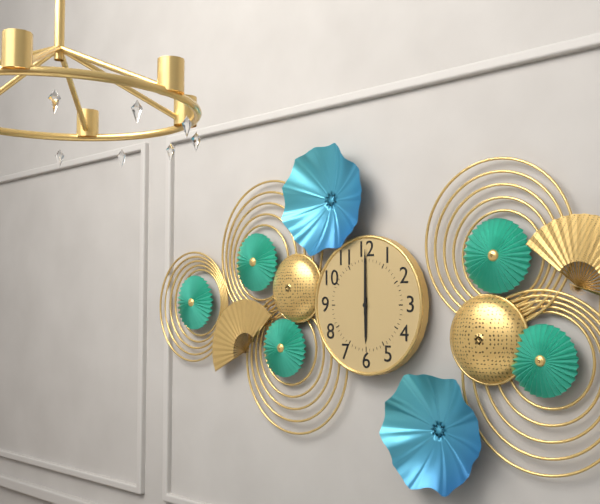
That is h=6 m=0
